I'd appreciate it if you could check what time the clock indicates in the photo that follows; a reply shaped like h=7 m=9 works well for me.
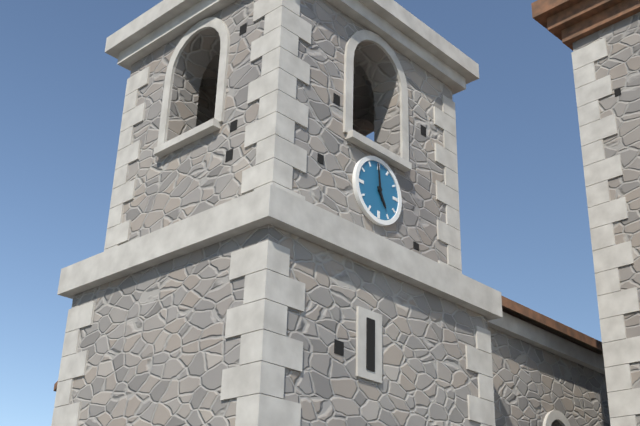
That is h=4 m=59
